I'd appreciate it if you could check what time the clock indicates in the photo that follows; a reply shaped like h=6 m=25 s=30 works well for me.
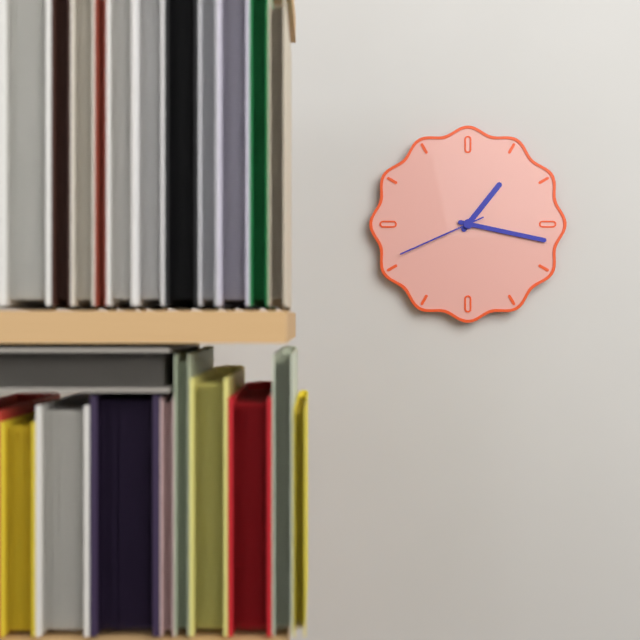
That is h=1 m=17 s=41
